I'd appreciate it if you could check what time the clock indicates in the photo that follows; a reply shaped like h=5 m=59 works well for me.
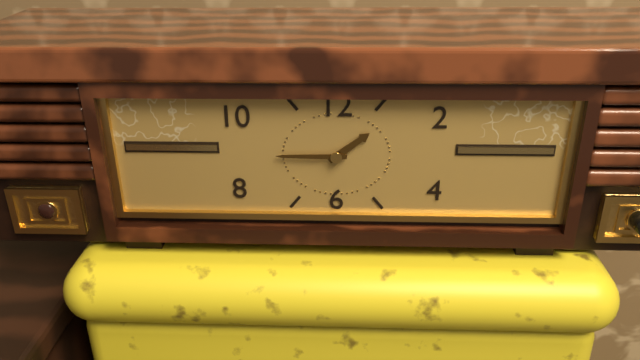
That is h=1 m=45
